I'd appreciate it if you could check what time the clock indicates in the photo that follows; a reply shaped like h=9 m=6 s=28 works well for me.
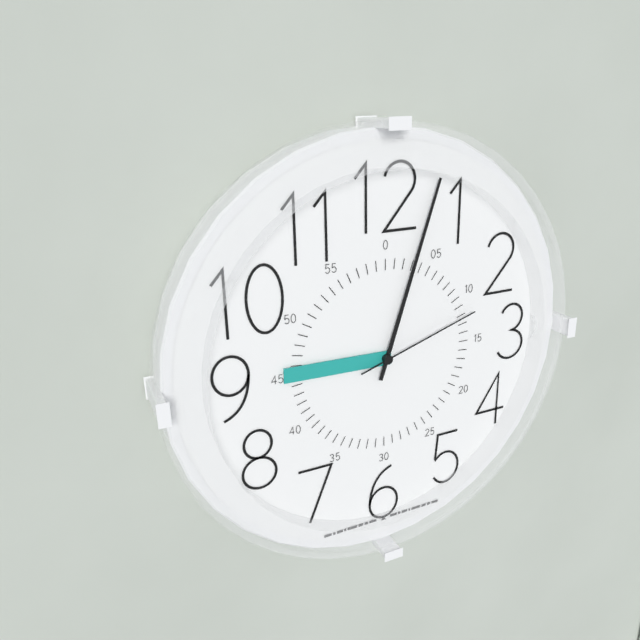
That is h=9 m=3 s=12
